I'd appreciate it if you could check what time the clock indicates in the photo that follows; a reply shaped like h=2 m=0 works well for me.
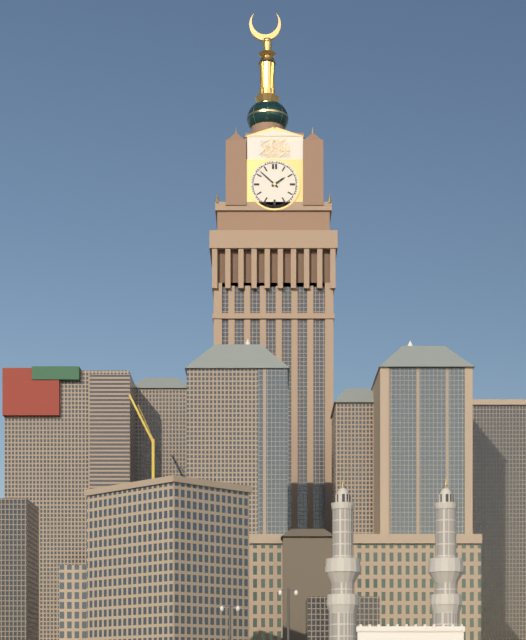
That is h=1 m=52
